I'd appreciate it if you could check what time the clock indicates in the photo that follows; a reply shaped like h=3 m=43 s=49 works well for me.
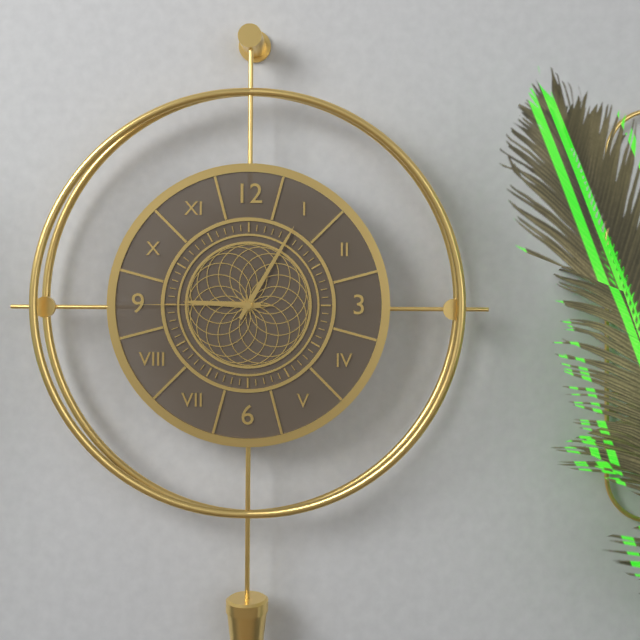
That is h=9 m=5 s=45
